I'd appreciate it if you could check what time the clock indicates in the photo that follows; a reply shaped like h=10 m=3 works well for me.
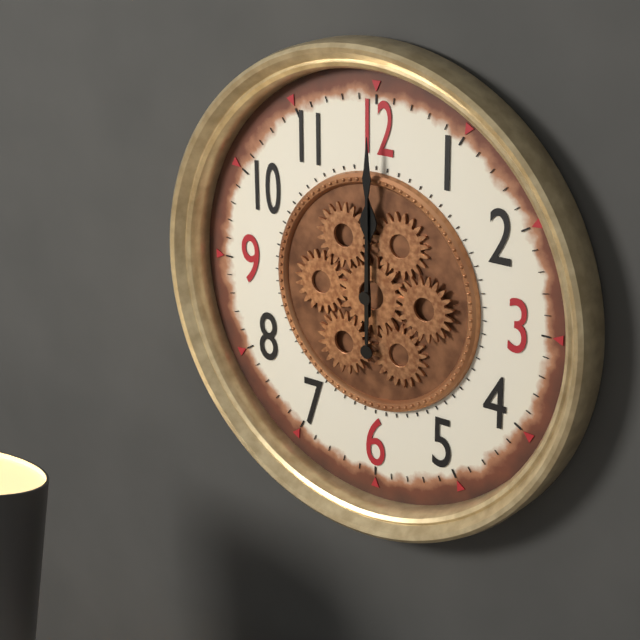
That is h=12 m=0
